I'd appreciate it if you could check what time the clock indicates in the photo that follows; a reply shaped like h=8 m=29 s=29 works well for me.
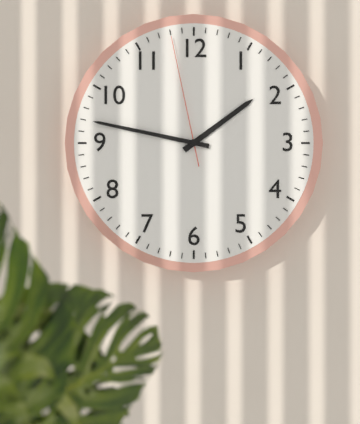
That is h=1 m=47 s=58
